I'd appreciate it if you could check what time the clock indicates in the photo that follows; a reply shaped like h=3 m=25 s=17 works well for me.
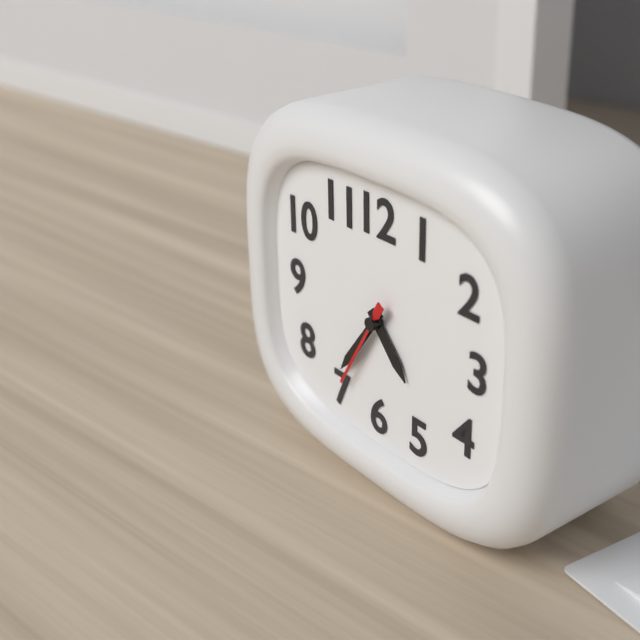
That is h=4 m=36 s=35
